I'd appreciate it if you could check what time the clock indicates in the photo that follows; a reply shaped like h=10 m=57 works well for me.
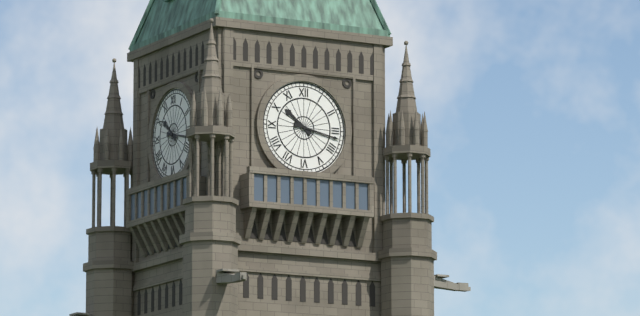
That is h=10 m=17
